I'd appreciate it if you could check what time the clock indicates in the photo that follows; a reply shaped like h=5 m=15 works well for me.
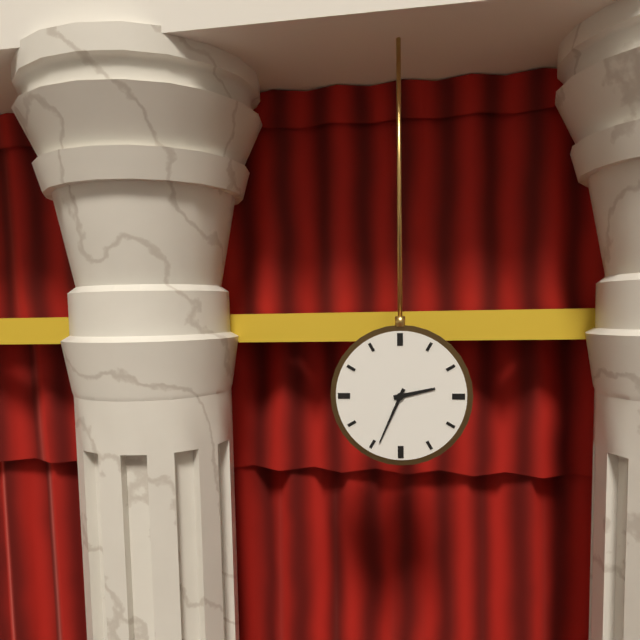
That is h=2 m=34
